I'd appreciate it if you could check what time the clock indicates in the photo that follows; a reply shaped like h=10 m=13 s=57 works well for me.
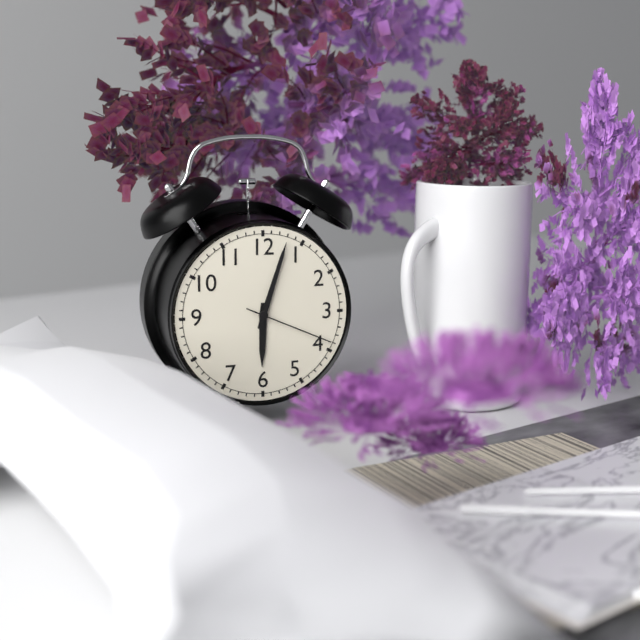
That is h=6 m=3 s=19
